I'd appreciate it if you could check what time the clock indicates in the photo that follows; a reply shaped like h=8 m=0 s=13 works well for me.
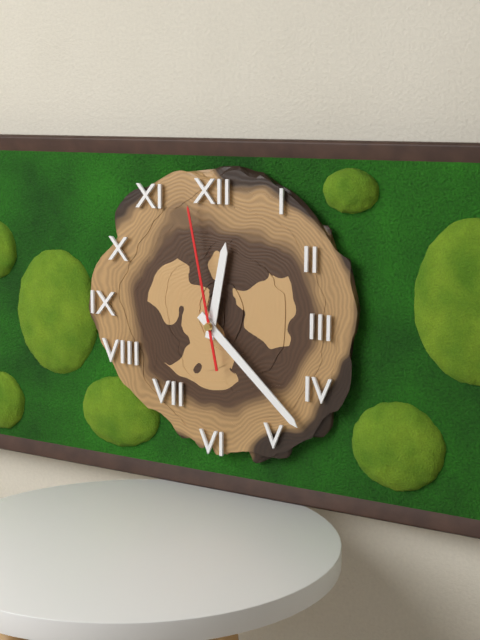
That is h=12 m=22 s=58
